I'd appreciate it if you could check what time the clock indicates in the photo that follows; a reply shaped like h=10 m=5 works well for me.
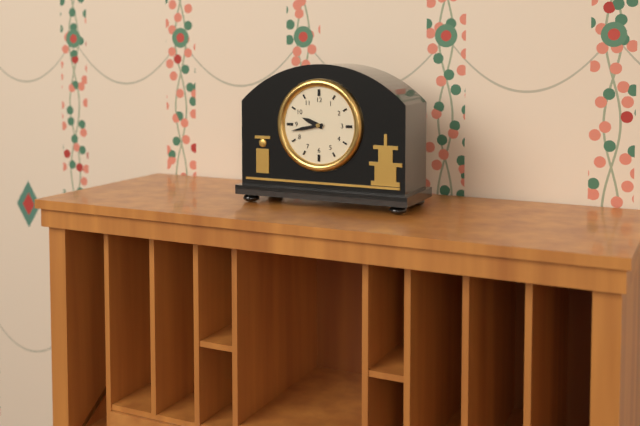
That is h=9 m=43
